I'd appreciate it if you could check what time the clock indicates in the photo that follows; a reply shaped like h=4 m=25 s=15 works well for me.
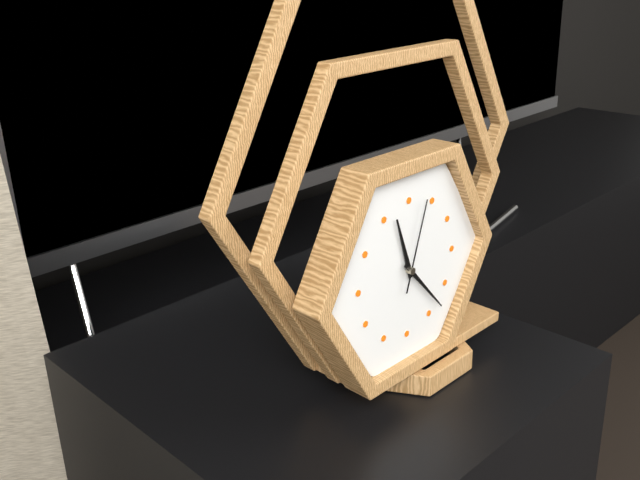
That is h=11 m=23 s=3
